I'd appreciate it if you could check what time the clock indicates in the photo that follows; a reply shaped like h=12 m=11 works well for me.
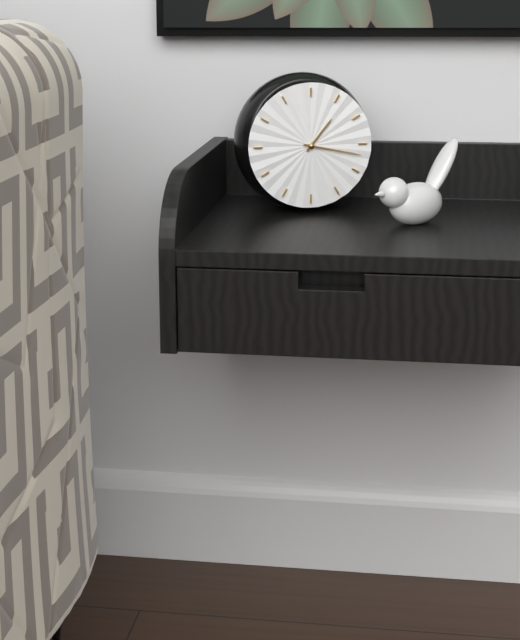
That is h=1 m=17
